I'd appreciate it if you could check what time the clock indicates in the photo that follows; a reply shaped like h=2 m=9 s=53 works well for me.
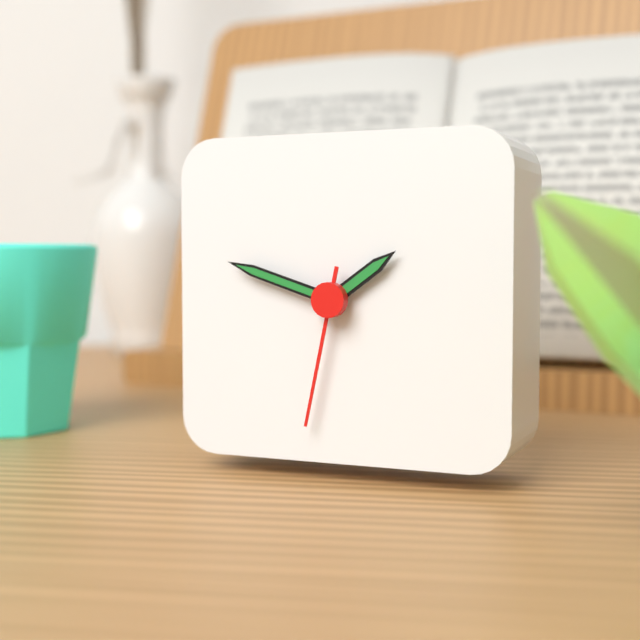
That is h=1 m=48 s=32
